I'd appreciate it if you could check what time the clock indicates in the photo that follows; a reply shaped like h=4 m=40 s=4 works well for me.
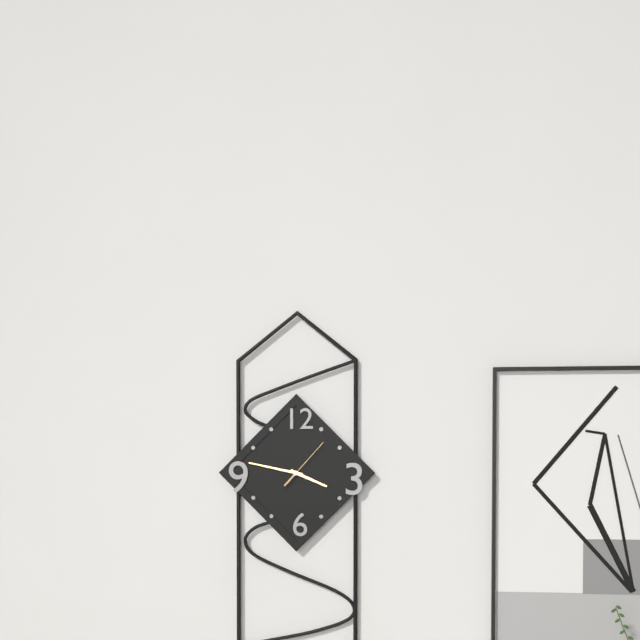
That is h=3 m=47 s=7
